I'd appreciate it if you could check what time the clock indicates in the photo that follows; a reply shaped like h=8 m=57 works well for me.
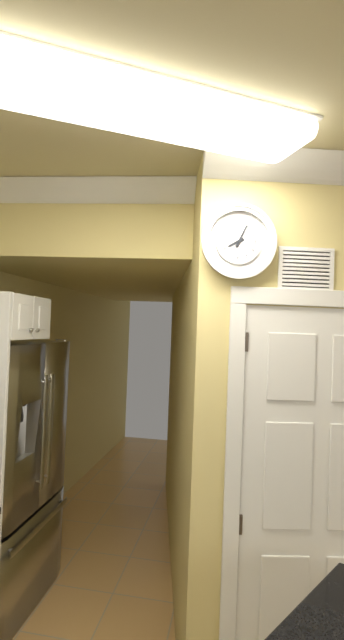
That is h=8 m=4
